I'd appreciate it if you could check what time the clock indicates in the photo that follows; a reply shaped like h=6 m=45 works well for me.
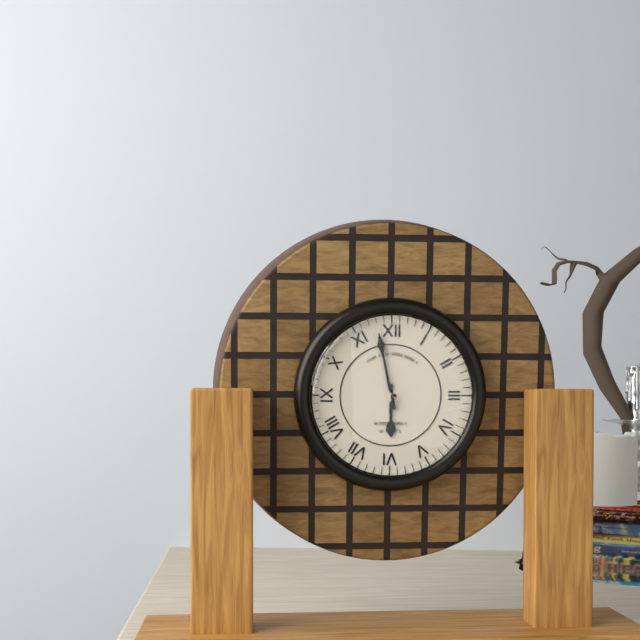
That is h=5 m=58
